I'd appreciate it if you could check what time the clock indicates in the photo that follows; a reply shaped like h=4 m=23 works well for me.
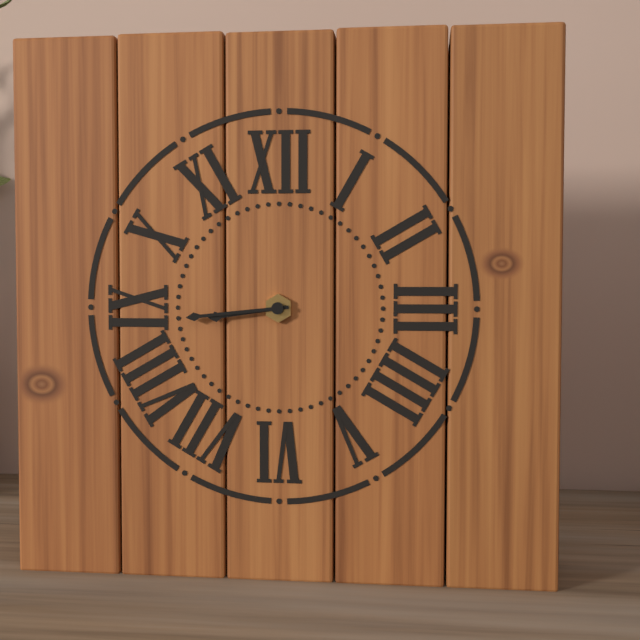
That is h=8 m=44
